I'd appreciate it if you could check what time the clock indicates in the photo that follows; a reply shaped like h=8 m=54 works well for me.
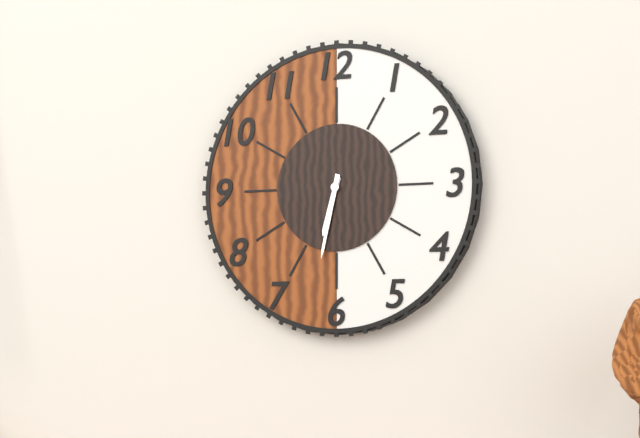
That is h=6 m=32
